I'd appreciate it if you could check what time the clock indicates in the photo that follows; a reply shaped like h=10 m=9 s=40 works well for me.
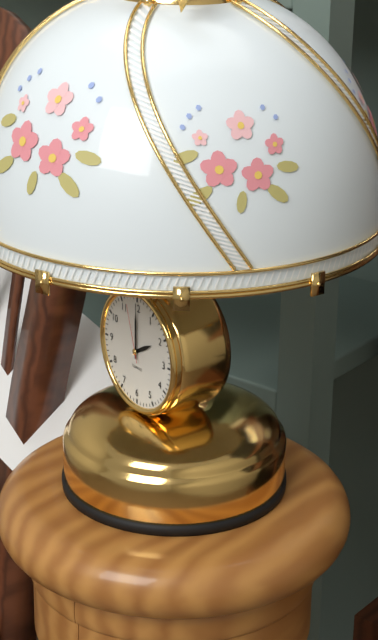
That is h=2 m=0 s=57
